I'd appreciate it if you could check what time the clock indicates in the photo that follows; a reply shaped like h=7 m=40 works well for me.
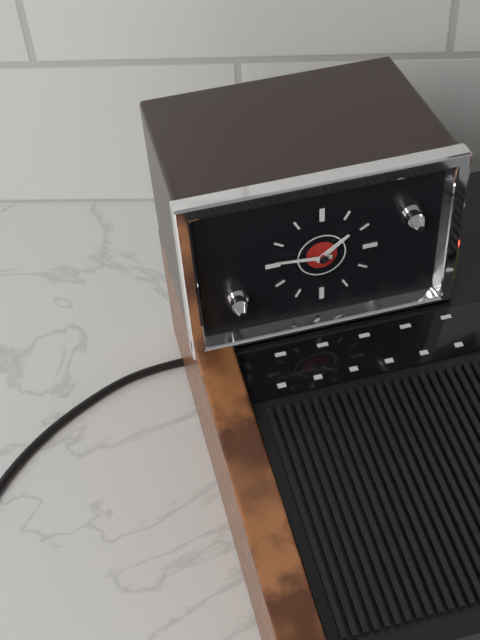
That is h=1 m=46
